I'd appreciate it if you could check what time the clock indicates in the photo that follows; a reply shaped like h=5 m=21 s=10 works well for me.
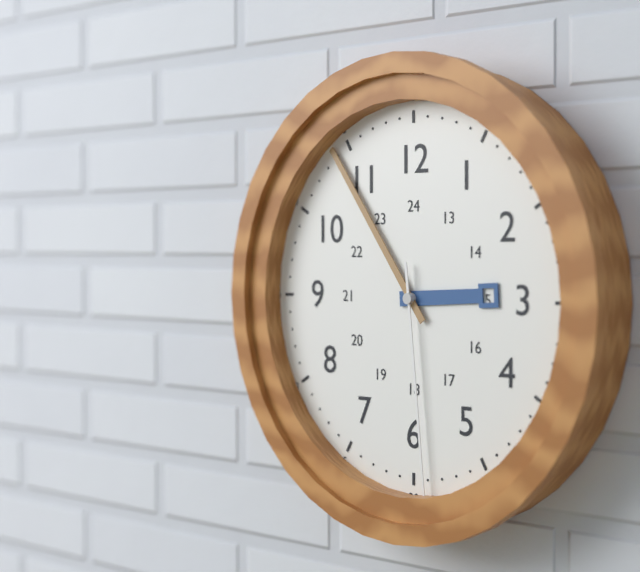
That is h=2 m=54 s=29
